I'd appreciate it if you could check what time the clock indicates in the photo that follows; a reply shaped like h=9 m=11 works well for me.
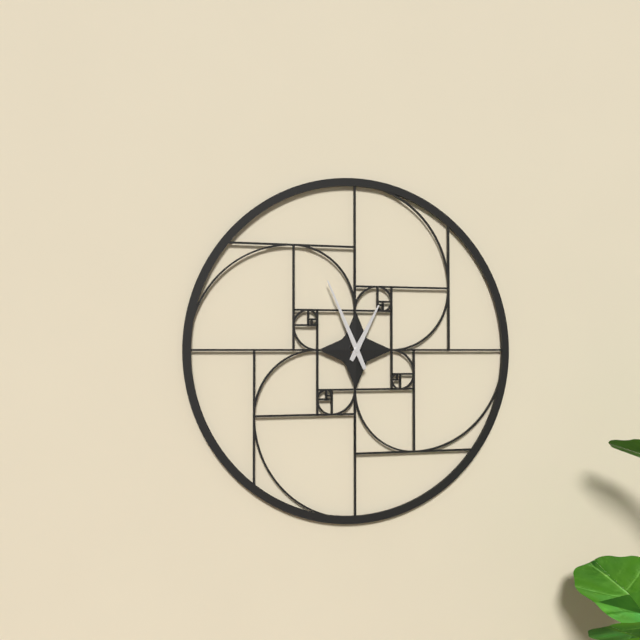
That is h=12 m=56
